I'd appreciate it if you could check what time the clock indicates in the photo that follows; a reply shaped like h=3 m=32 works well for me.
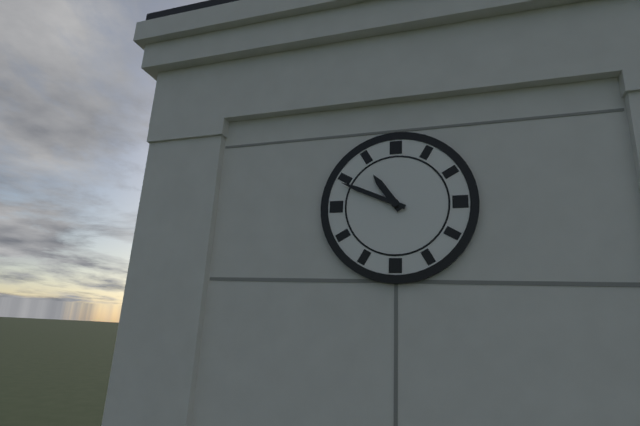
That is h=10 m=49
